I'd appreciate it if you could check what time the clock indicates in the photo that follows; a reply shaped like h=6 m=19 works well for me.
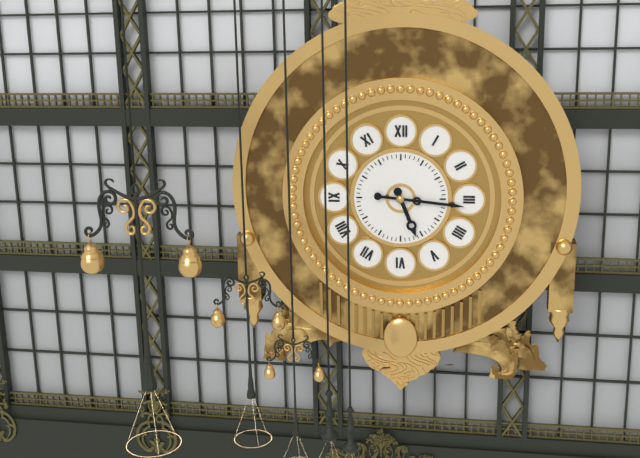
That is h=5 m=16
